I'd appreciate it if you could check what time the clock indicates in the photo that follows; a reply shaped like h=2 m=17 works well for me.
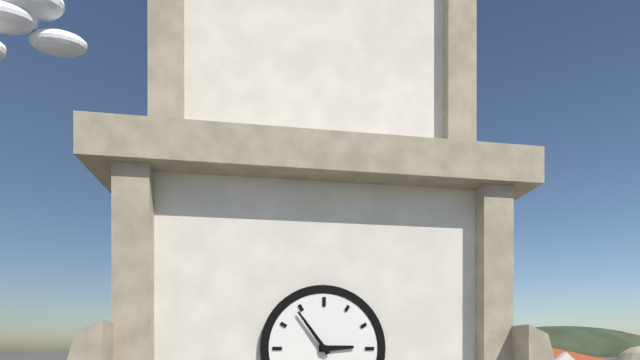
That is h=2 m=54
